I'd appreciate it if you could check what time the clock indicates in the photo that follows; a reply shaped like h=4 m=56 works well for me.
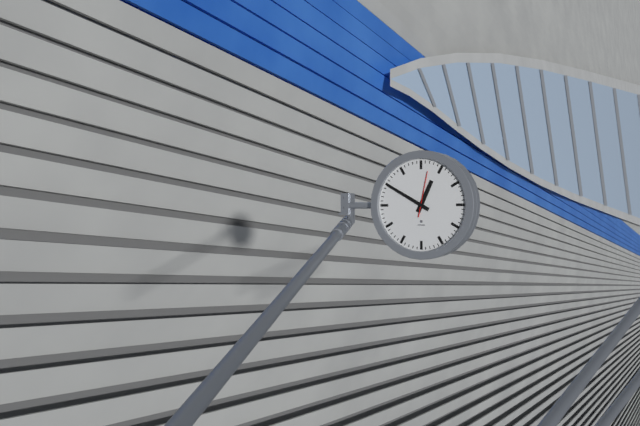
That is h=12 m=50
